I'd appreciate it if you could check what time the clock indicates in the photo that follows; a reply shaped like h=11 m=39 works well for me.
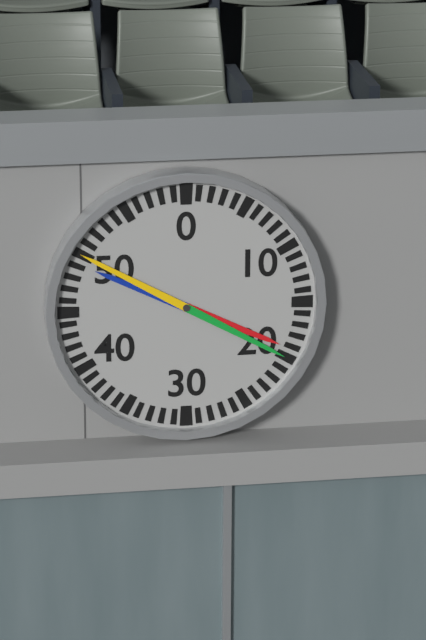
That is h=3 m=50
